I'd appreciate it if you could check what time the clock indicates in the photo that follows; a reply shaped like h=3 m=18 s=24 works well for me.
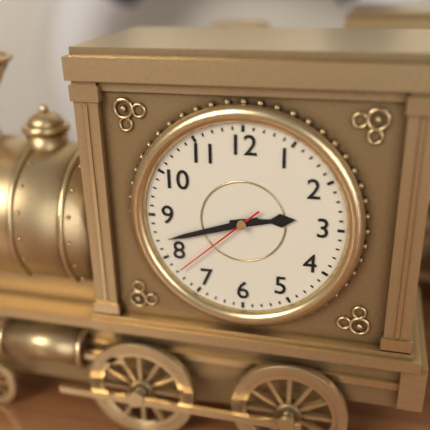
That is h=2 m=42 s=38
